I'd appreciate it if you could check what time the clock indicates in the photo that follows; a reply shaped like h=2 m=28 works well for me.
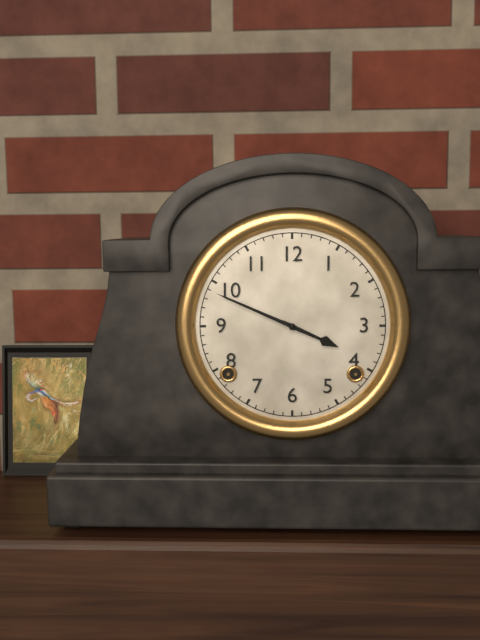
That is h=3 m=49
